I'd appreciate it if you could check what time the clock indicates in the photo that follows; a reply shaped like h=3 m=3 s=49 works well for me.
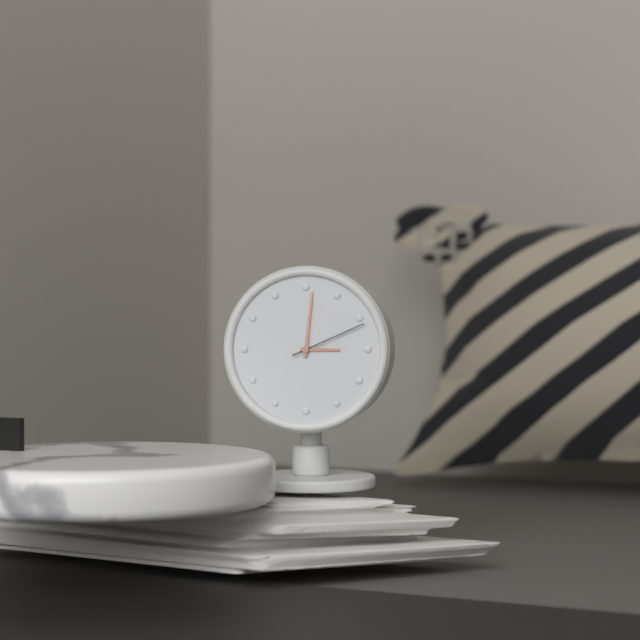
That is h=3 m=1 s=11
